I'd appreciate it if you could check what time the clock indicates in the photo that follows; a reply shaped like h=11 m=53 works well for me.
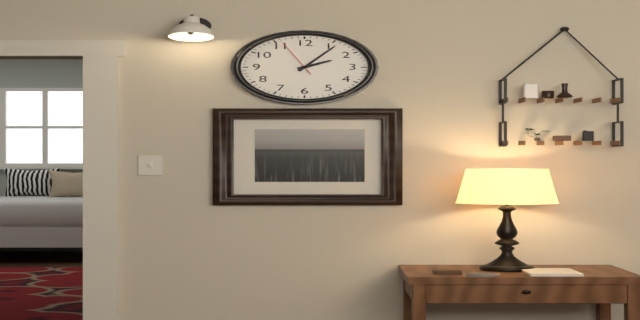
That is h=2 m=6
